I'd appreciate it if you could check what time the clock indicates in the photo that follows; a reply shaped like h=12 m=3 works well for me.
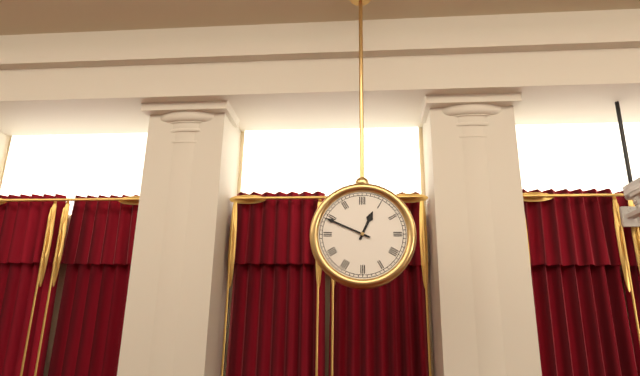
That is h=12 m=49
